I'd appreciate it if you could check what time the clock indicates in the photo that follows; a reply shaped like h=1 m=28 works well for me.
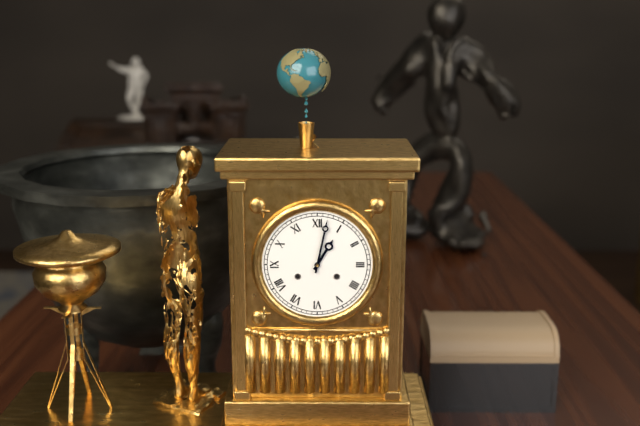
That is h=1 m=2
